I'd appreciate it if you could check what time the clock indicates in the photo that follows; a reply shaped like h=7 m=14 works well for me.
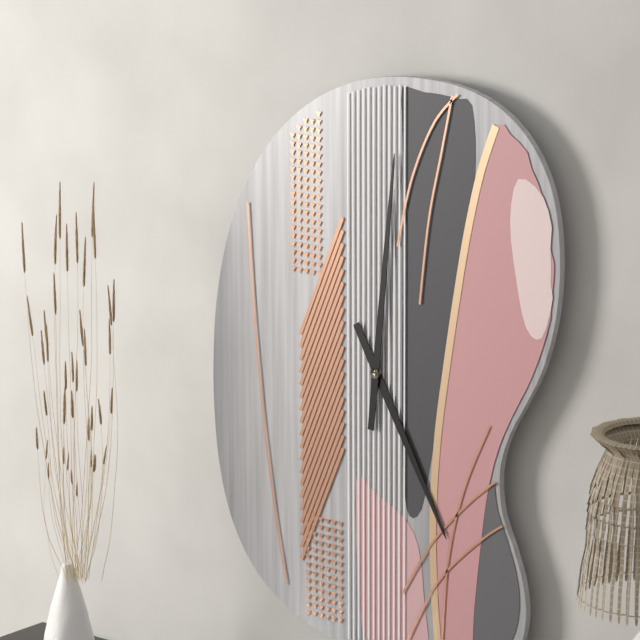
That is h=5 m=1
